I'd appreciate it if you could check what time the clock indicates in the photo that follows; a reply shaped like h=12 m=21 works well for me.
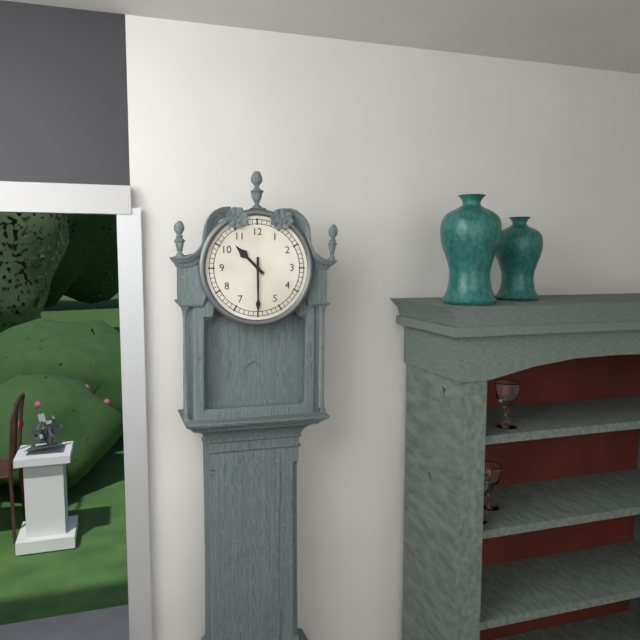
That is h=10 m=30
